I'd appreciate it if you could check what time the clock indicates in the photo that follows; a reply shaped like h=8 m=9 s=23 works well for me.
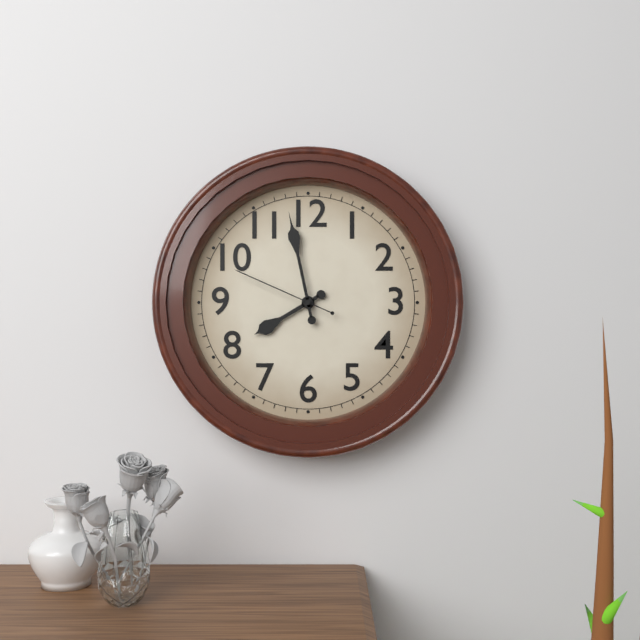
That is h=7 m=58 s=49
